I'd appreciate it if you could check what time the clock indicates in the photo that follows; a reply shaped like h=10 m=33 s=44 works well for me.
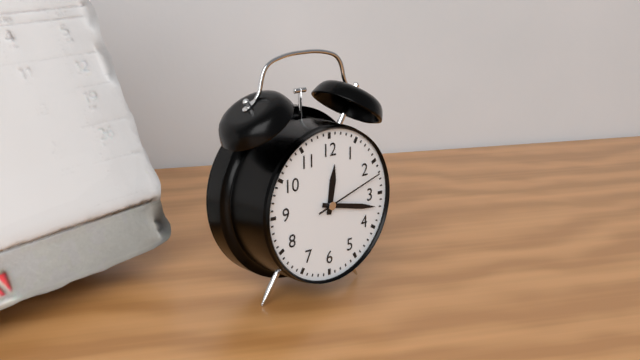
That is h=12 m=17 s=12
